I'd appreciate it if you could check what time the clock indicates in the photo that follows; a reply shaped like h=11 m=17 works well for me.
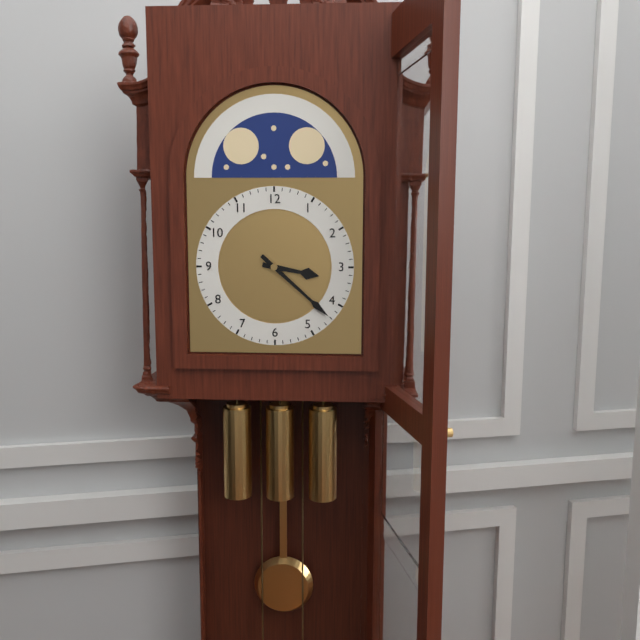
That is h=3 m=22
